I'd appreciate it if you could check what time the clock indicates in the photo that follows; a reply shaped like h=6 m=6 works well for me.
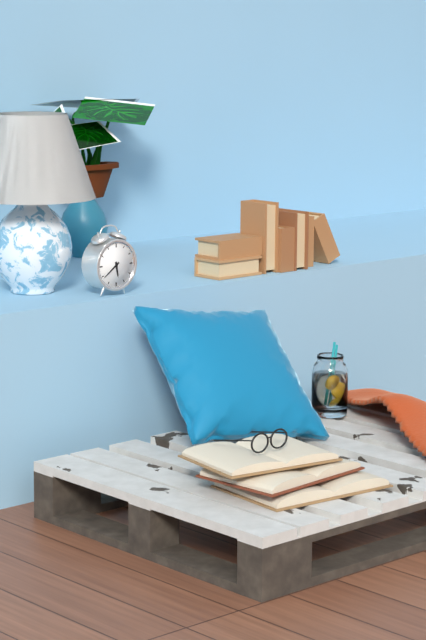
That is h=5 m=39
